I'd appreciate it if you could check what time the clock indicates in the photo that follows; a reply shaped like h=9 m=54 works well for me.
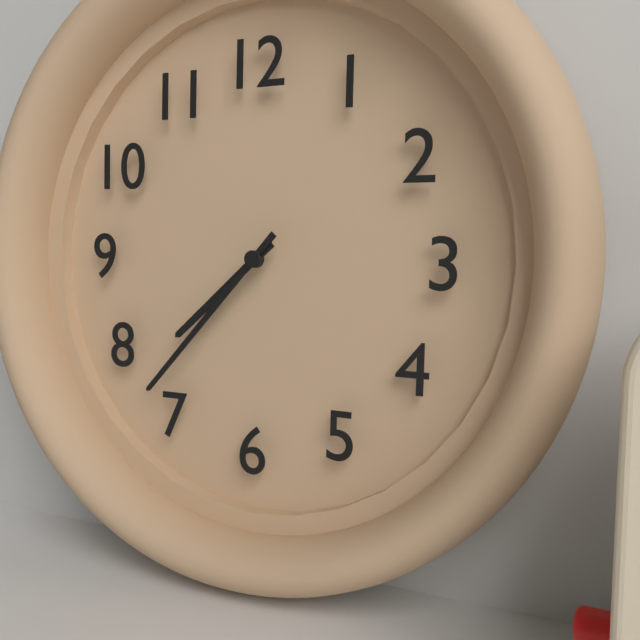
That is h=7 m=37
